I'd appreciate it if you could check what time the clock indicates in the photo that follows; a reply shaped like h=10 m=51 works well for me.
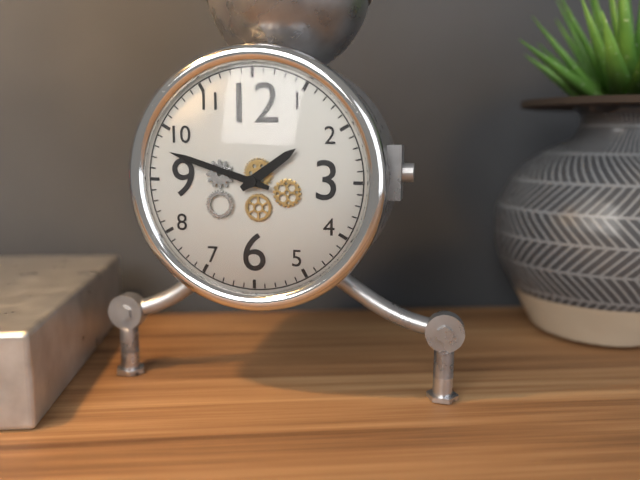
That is h=1 m=48
